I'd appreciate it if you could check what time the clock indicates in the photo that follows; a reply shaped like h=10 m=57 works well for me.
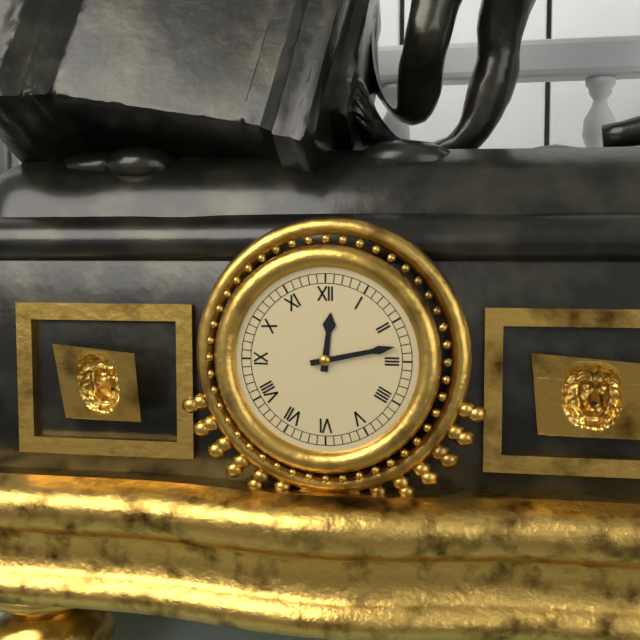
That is h=12 m=13
